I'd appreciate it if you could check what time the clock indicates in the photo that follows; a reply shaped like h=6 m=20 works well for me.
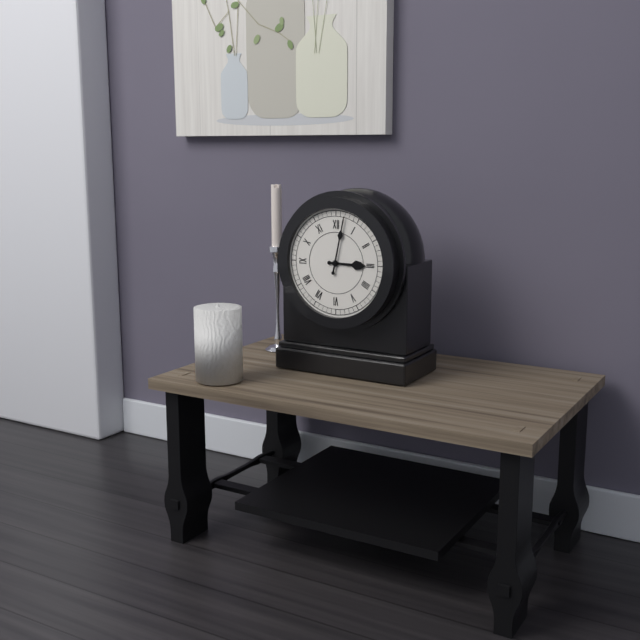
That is h=3 m=2
